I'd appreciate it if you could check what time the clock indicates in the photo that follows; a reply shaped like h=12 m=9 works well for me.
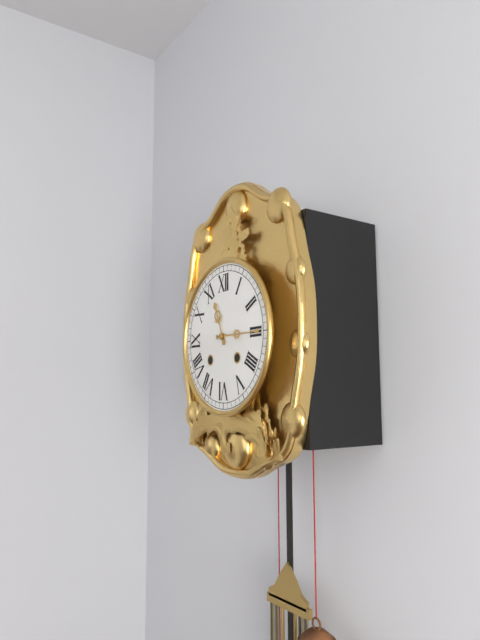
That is h=11 m=15
